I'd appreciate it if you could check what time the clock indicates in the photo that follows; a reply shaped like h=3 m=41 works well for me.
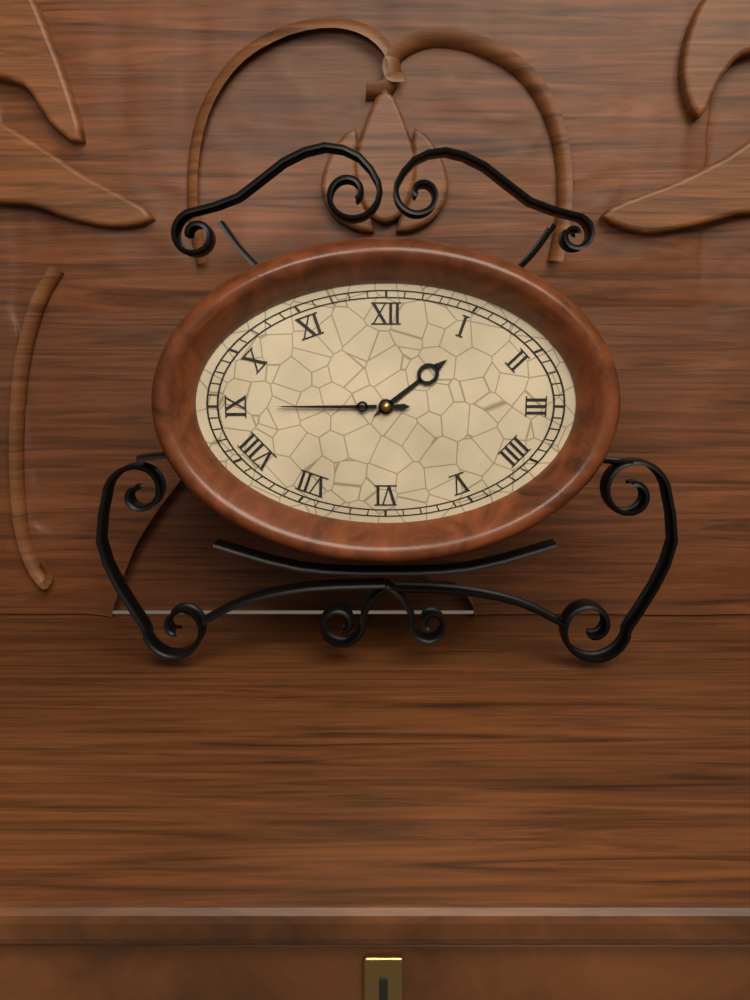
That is h=1 m=45
